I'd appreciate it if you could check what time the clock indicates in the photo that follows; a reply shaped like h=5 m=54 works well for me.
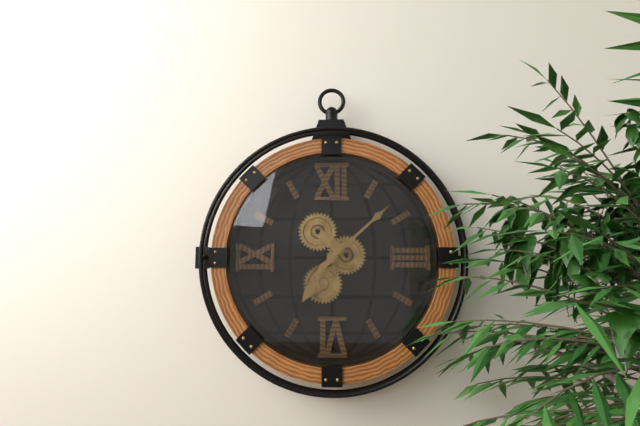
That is h=7 m=8
